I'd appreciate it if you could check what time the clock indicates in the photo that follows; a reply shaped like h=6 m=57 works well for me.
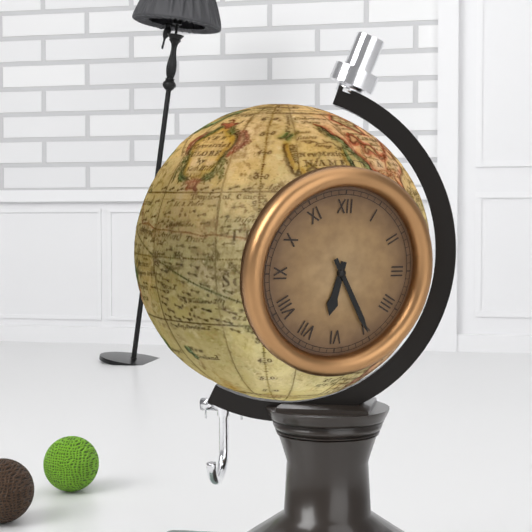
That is h=6 m=25
